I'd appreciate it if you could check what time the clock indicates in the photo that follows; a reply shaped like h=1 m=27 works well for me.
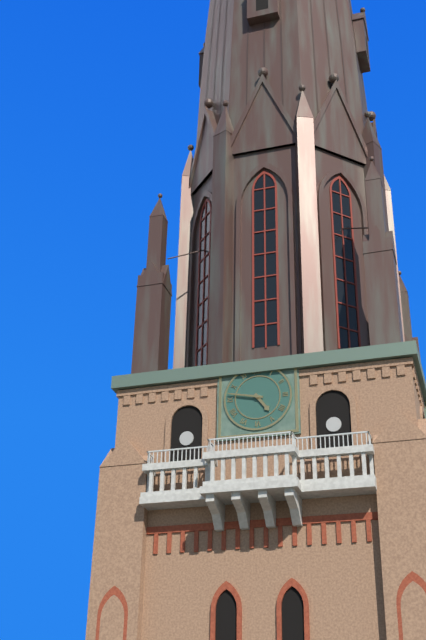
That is h=4 m=47
